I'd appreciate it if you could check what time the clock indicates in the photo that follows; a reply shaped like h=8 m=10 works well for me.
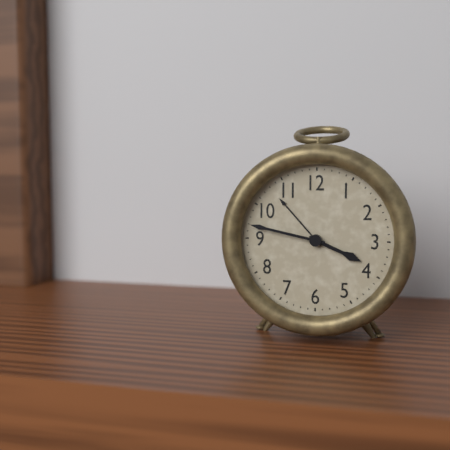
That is h=3 m=47
